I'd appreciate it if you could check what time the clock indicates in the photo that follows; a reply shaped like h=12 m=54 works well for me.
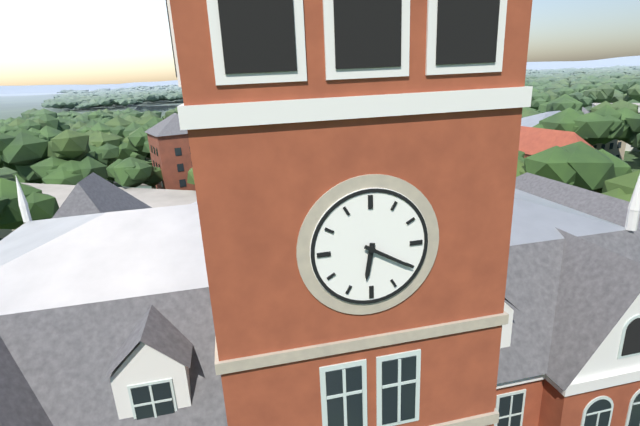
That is h=6 m=20
